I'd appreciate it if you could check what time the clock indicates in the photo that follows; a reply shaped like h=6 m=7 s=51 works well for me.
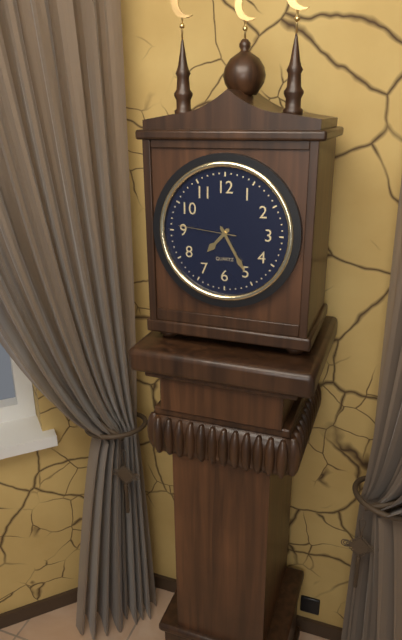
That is h=7 m=25 s=46
